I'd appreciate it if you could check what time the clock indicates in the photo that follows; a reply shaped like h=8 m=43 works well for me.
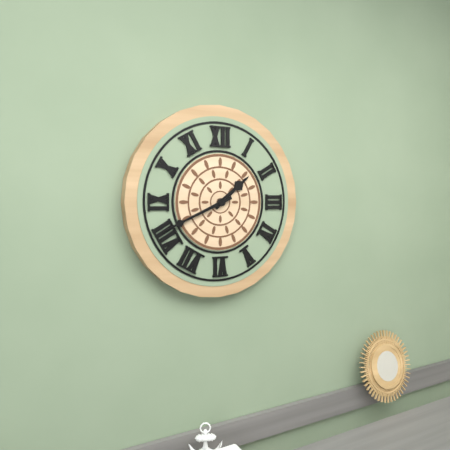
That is h=1 m=41
